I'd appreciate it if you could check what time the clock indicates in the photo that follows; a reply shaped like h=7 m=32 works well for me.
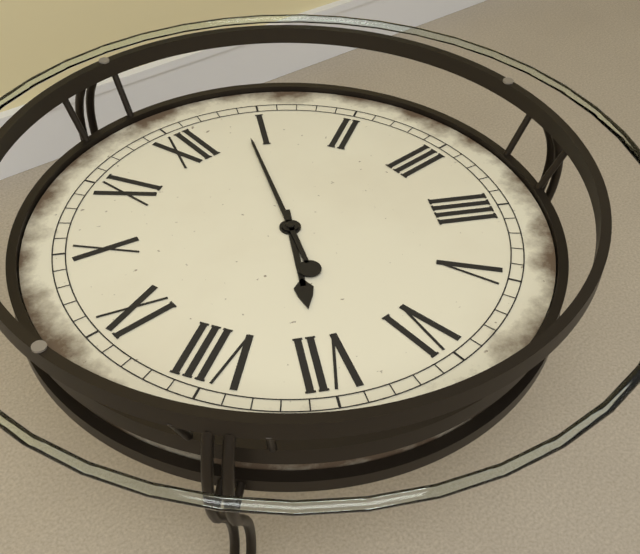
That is h=7 m=4
